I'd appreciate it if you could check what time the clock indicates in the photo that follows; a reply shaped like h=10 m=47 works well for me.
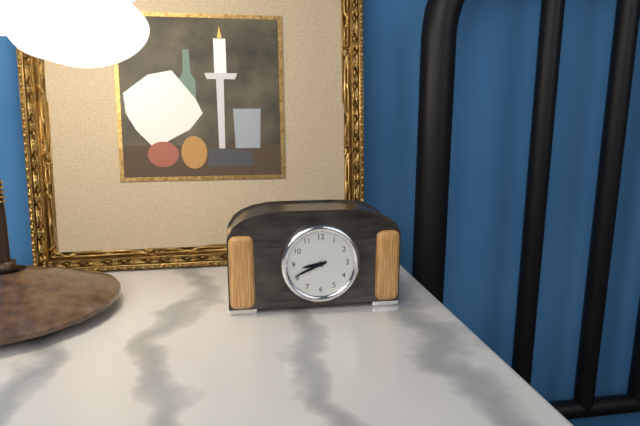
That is h=8 m=41
